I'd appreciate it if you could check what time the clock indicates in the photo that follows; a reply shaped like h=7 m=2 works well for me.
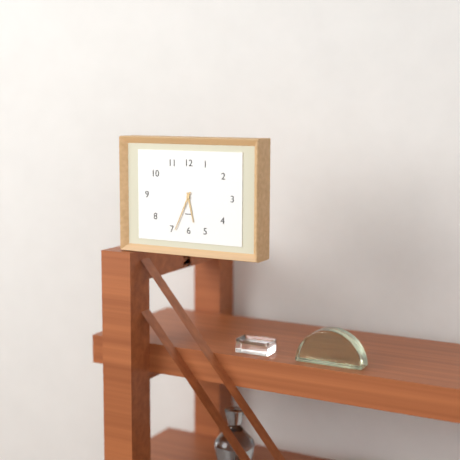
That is h=5 m=34
